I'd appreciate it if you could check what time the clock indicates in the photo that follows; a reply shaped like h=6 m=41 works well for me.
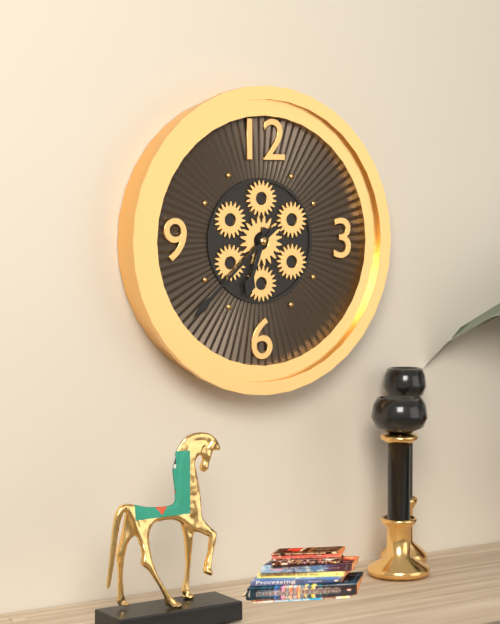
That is h=6 m=38
